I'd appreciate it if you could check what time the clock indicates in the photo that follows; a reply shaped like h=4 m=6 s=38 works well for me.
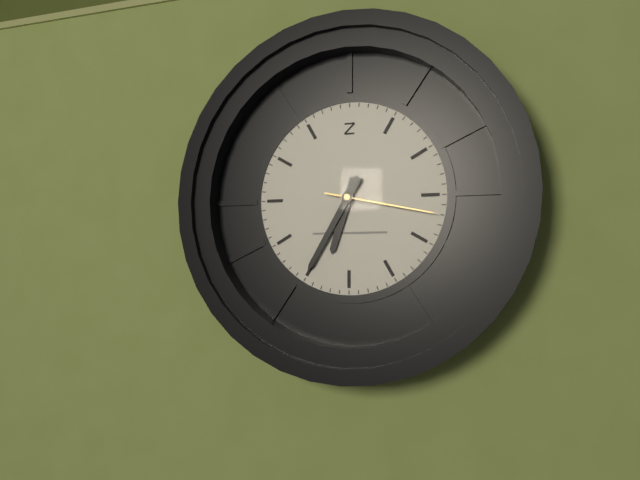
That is h=6 m=35 s=17
